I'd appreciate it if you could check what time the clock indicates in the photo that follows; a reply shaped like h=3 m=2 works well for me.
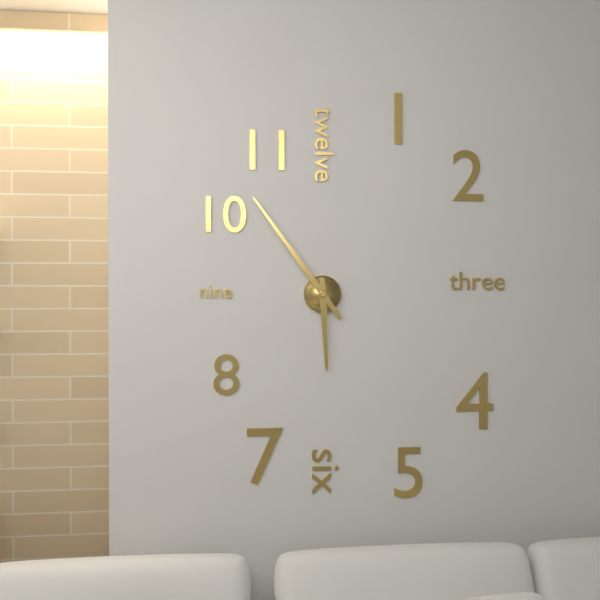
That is h=5 m=54
